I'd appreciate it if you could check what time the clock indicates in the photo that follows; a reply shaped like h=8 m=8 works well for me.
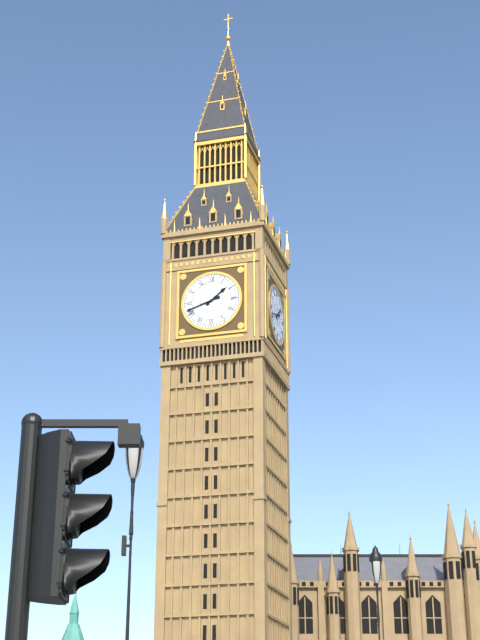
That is h=1 m=42
